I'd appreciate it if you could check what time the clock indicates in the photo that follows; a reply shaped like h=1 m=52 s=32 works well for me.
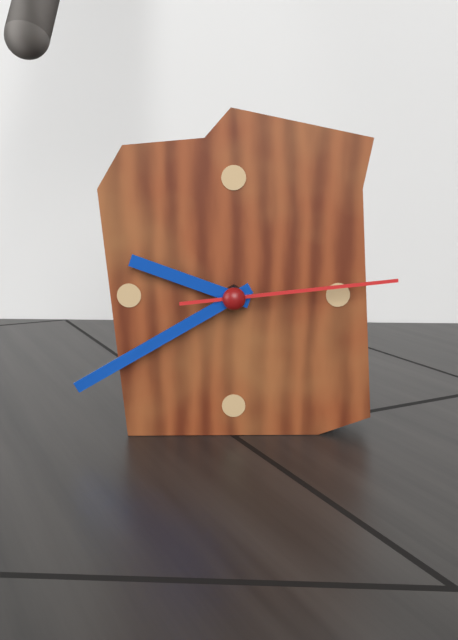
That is h=9 m=40 s=14
